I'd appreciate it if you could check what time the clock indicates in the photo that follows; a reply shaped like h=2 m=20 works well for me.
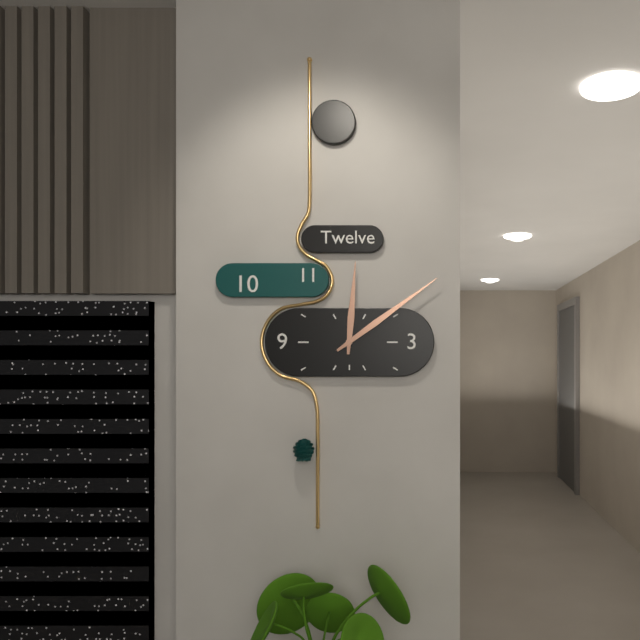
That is h=12 m=9
